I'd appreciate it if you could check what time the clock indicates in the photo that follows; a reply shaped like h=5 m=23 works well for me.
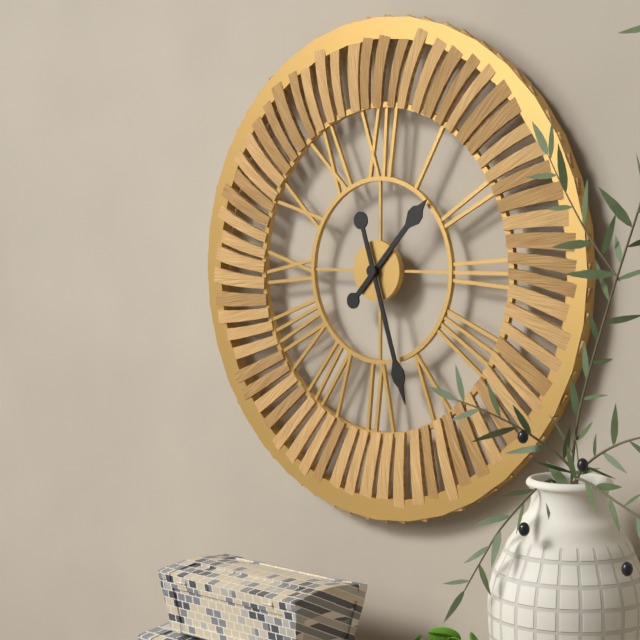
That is h=1 m=27
